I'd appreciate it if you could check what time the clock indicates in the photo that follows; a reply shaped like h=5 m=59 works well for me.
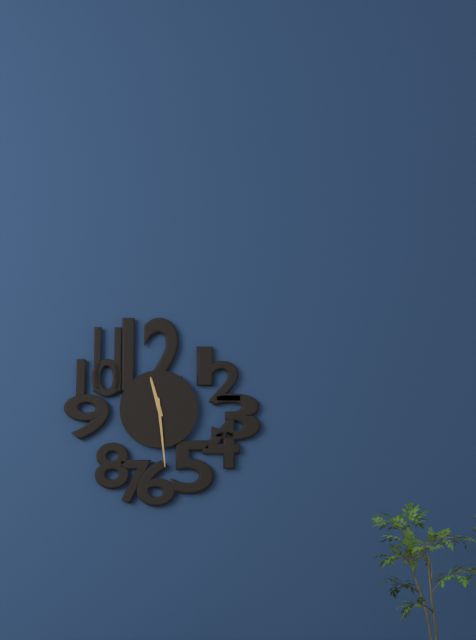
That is h=11 m=29
